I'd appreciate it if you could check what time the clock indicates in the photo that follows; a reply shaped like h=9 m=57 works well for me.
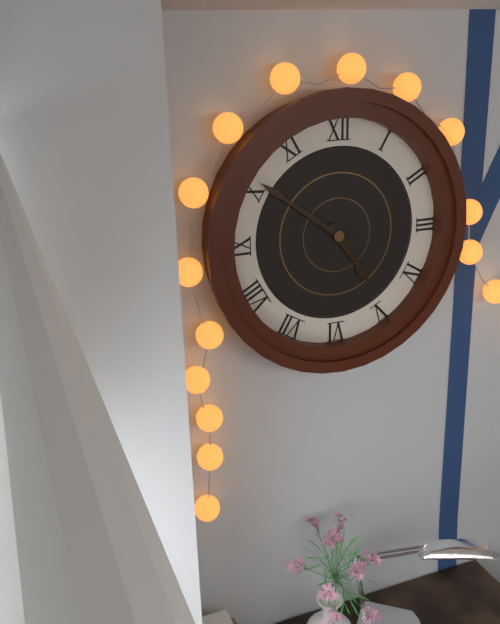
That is h=4 m=51
